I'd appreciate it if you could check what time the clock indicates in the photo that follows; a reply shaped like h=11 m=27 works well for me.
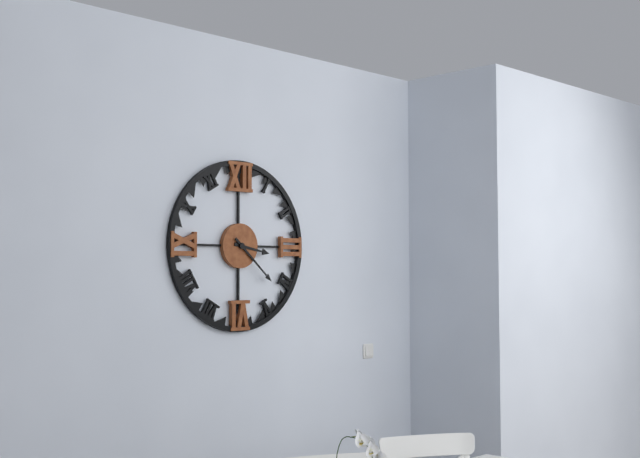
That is h=3 m=22
